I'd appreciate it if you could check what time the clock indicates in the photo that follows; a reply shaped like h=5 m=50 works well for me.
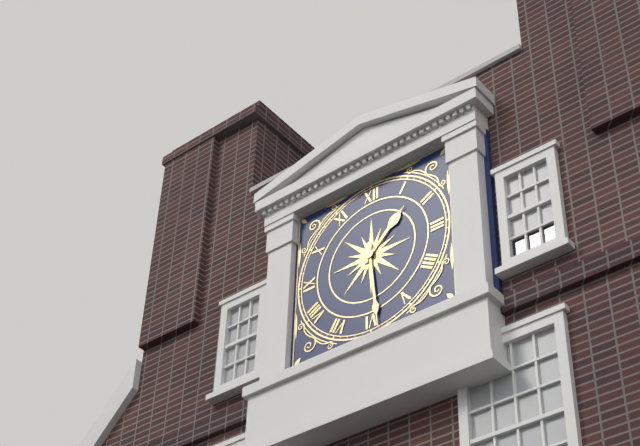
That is h=1 m=29
